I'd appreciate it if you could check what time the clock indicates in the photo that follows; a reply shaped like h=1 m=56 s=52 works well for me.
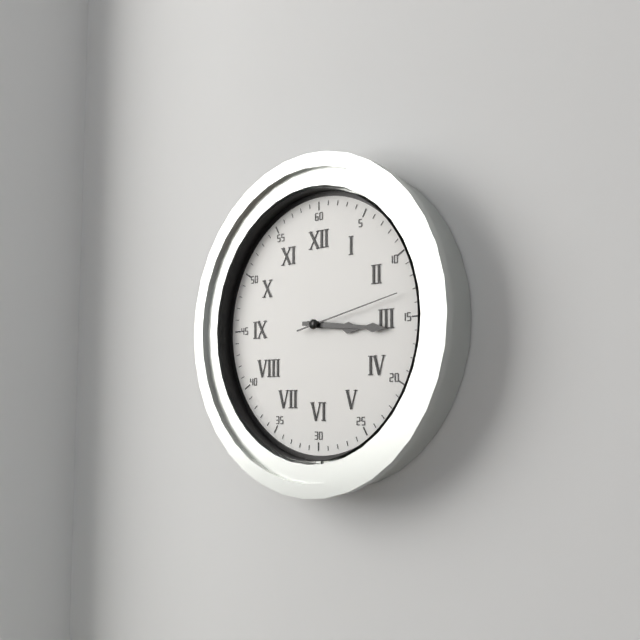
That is h=3 m=16 s=13
